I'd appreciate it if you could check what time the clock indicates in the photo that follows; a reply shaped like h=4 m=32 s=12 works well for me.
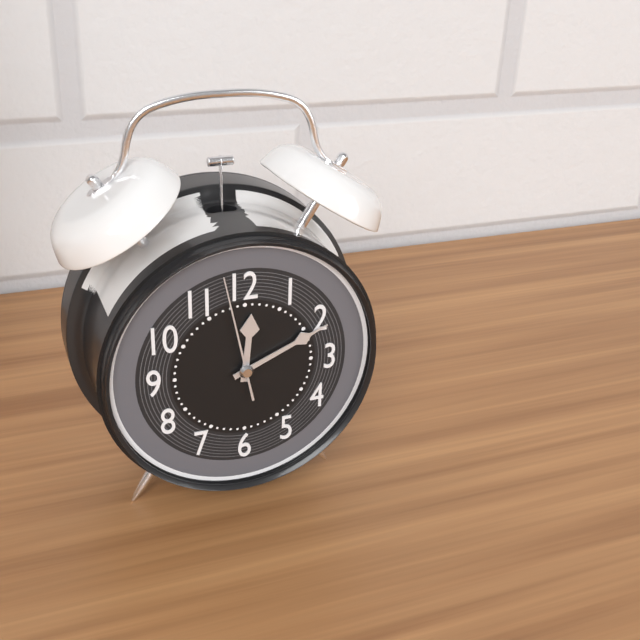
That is h=12 m=11 s=58
